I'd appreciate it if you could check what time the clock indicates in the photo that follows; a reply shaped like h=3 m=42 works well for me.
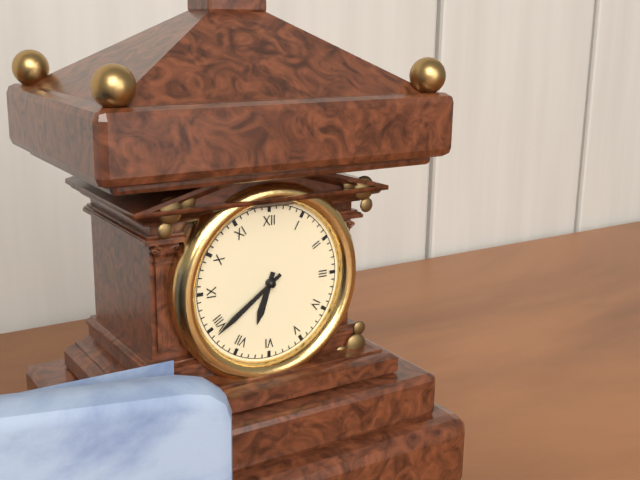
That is h=6 m=39
